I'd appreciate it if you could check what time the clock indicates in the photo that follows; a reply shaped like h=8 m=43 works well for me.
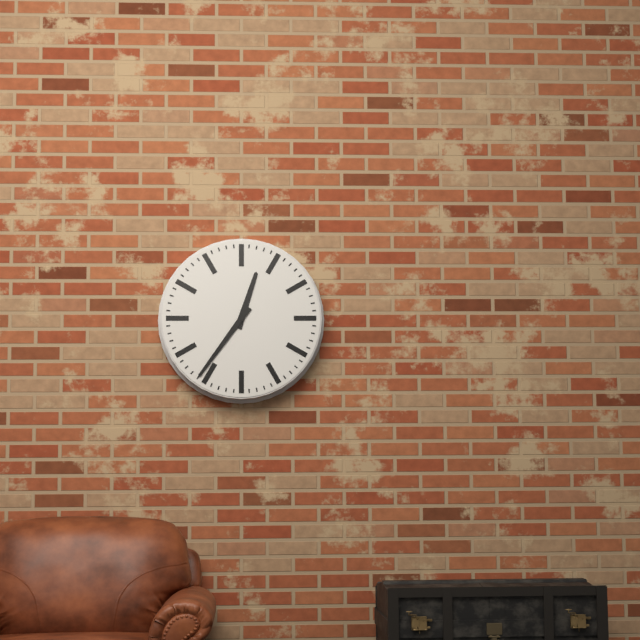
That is h=12 m=36
